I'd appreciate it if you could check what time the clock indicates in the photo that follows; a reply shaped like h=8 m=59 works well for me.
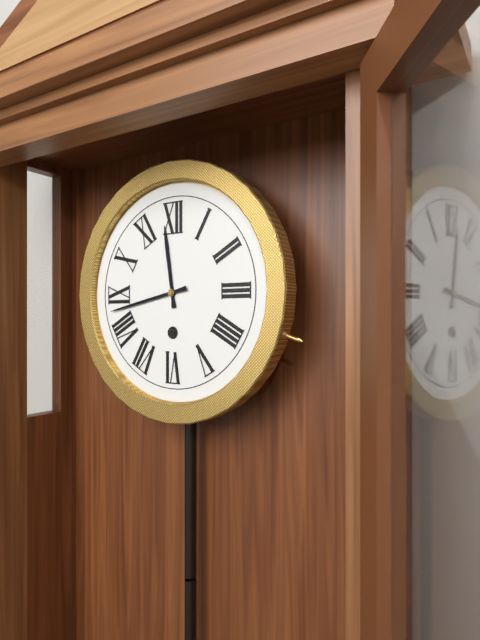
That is h=11 m=43
